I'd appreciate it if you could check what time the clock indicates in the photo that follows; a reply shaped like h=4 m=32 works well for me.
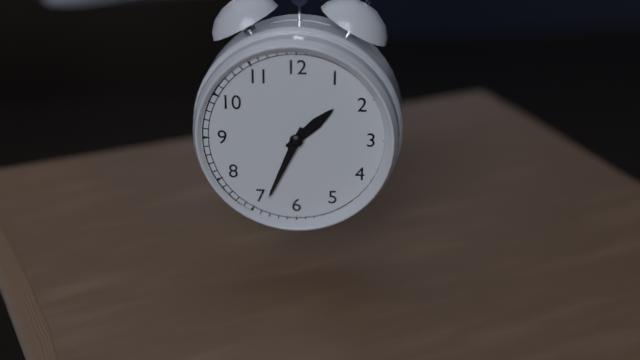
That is h=1 m=34
